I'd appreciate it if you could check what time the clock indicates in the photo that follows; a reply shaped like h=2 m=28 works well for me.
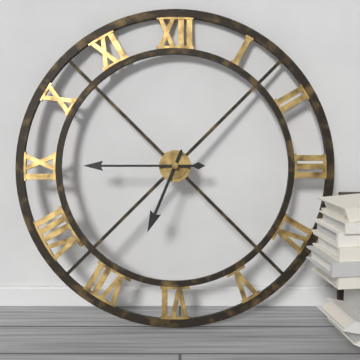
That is h=6 m=45
